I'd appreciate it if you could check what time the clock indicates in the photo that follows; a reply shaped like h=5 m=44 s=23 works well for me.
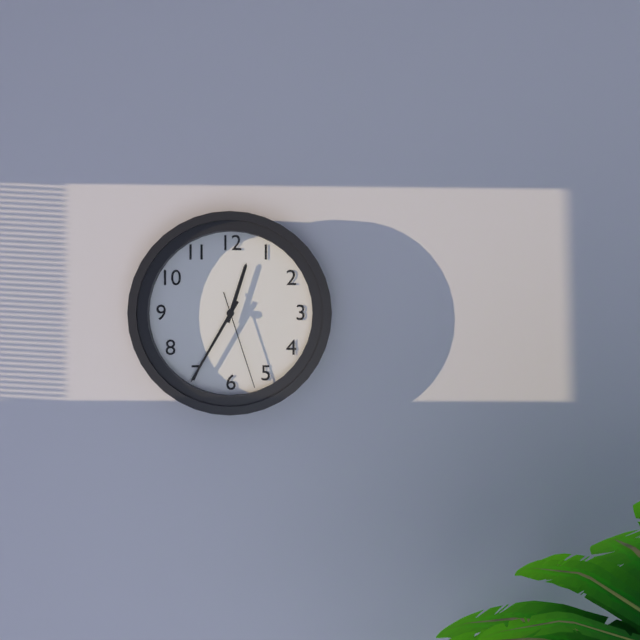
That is h=12 m=35 s=27
